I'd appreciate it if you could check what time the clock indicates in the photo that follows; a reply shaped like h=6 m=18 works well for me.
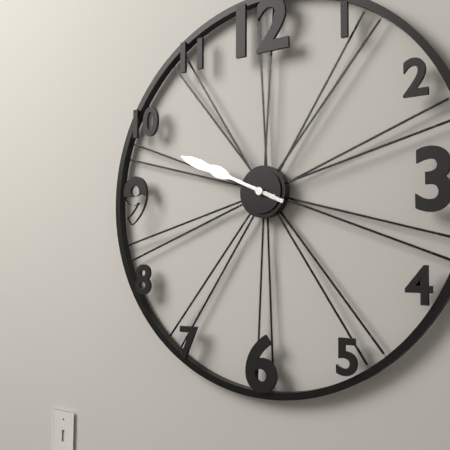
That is h=9 m=49
